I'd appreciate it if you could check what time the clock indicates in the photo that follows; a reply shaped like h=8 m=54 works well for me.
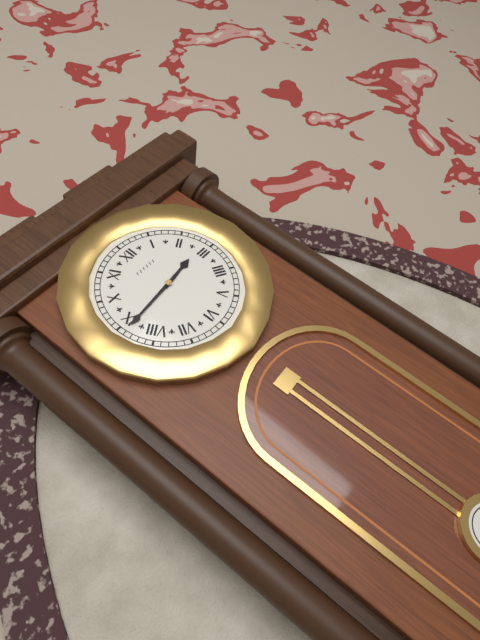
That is h=2 m=44
